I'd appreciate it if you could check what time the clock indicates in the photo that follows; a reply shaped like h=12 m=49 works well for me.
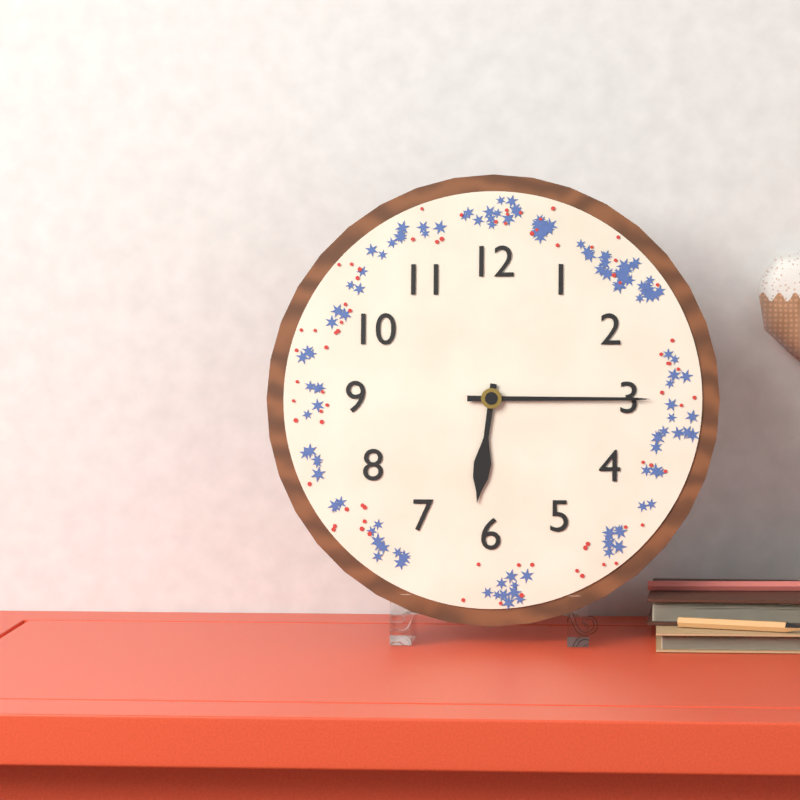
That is h=6 m=15
